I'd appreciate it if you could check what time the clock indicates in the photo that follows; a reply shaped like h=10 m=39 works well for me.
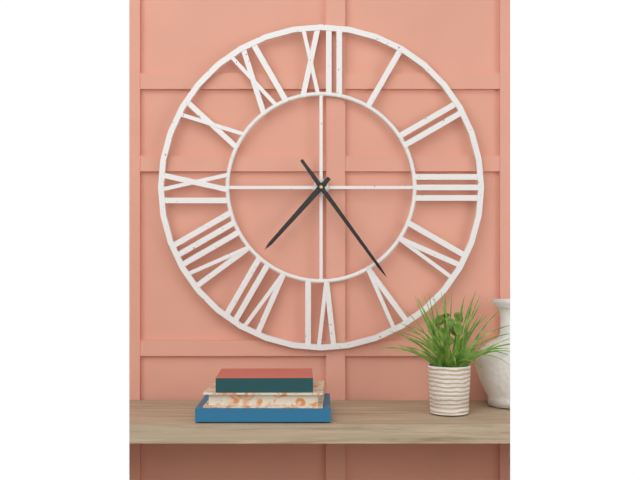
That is h=7 m=24
